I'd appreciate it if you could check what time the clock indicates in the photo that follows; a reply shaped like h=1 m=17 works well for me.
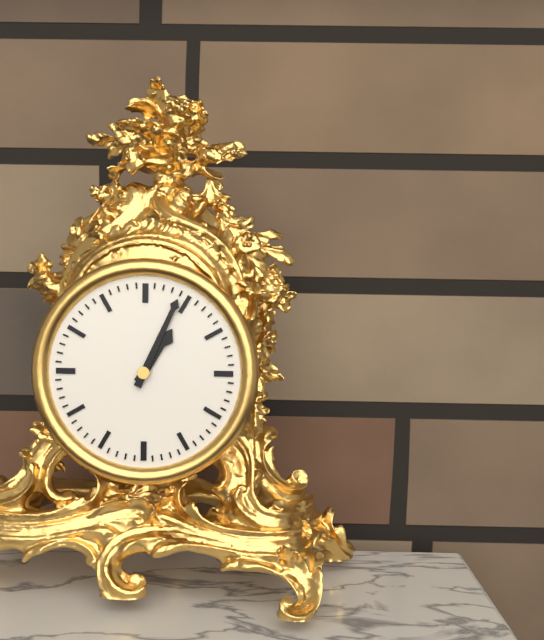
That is h=1 m=4
